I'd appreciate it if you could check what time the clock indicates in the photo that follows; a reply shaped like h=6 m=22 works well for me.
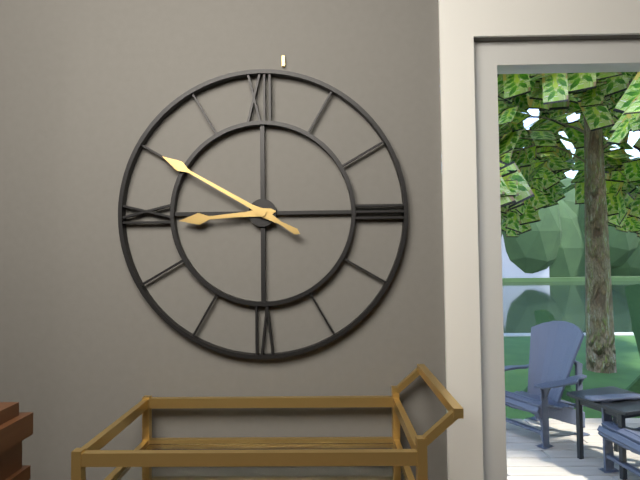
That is h=8 m=50
